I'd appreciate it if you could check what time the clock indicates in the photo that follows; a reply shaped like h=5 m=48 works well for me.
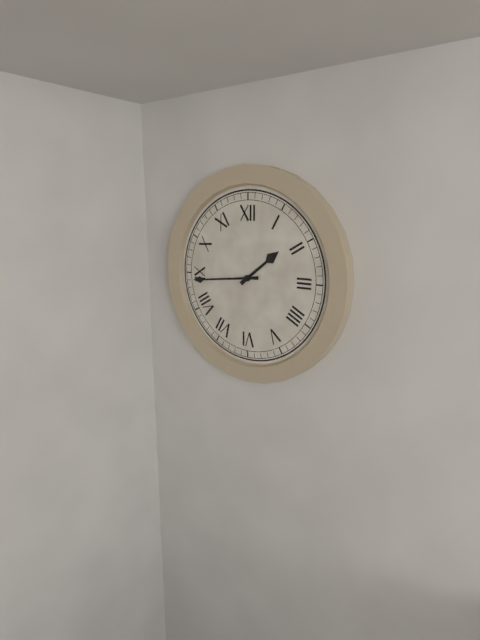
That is h=1 m=44
